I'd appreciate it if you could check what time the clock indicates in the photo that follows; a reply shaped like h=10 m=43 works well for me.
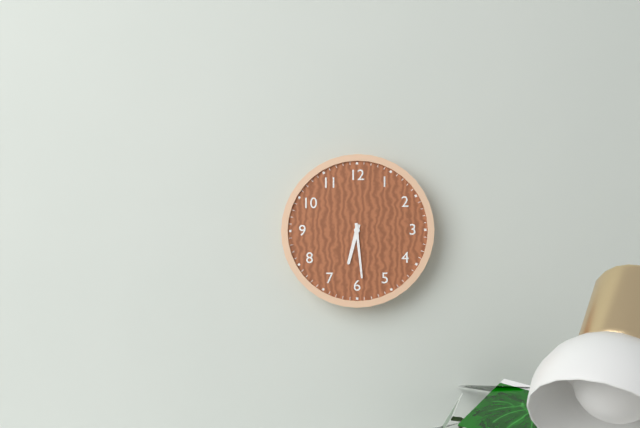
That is h=6 m=29
